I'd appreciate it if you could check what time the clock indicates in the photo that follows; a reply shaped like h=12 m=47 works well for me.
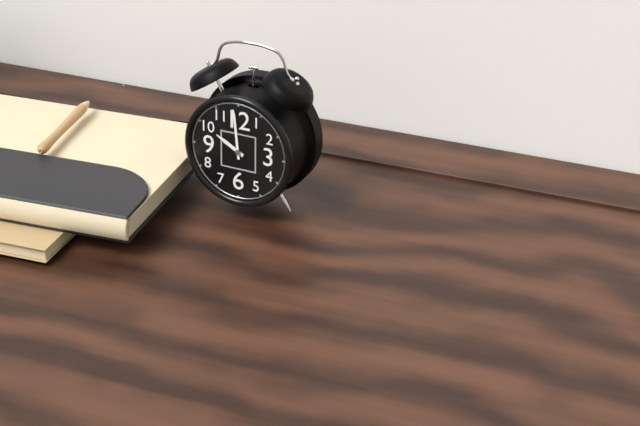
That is h=9 m=59
